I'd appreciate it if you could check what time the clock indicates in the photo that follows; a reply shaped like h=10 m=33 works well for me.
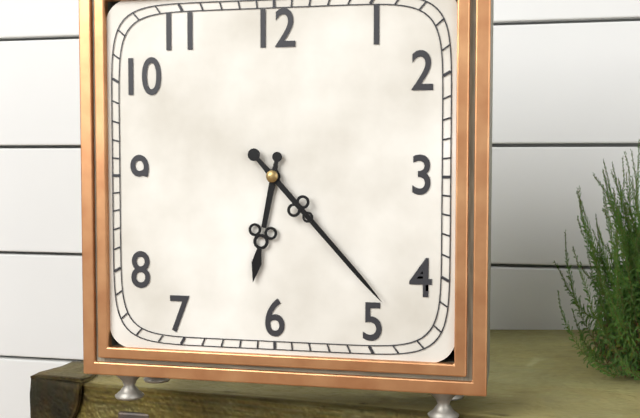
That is h=6 m=23
